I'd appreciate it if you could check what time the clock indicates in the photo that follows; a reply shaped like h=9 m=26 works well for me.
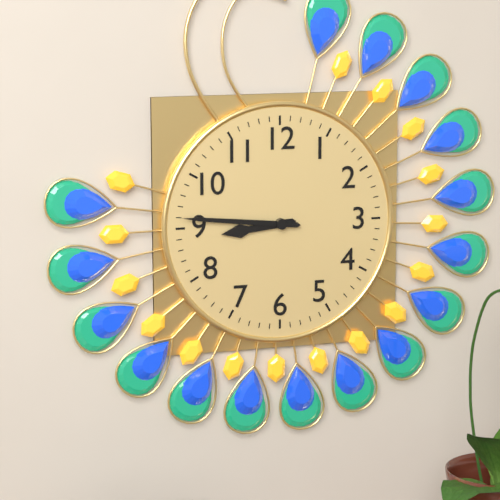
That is h=8 m=46
